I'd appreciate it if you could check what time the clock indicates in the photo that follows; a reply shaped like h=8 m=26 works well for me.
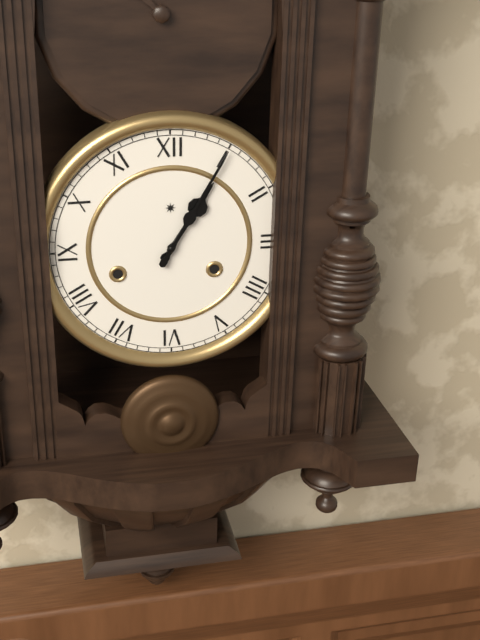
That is h=1 m=5
